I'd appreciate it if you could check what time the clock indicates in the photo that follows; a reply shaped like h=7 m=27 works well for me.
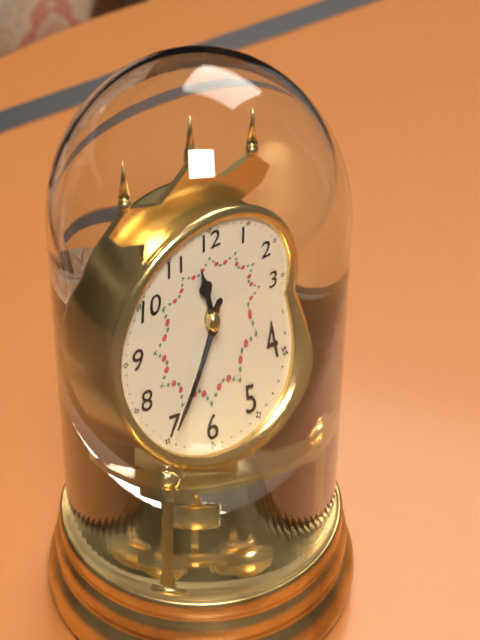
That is h=11 m=35
